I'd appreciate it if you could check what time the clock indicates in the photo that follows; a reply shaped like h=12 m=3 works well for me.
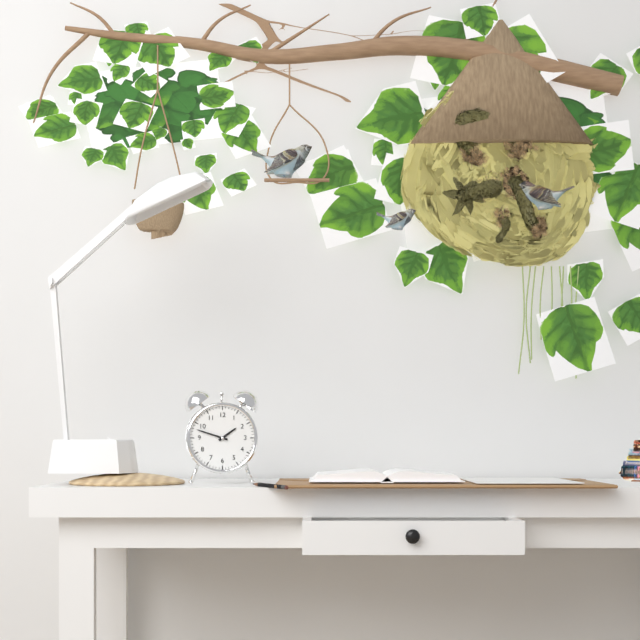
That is h=1 m=48
